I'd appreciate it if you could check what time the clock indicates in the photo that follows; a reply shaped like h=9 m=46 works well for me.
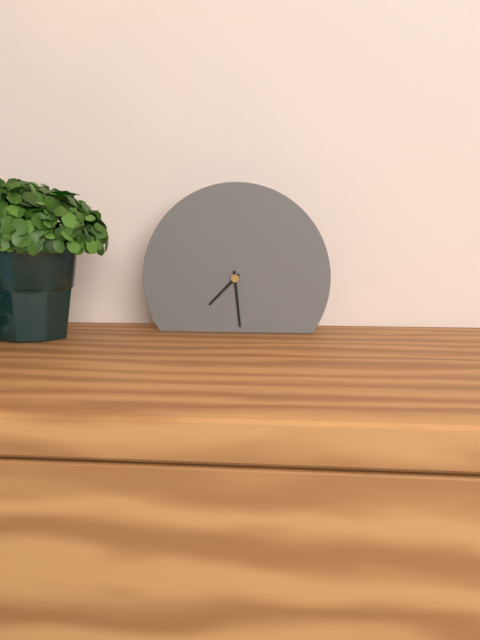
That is h=7 m=29
